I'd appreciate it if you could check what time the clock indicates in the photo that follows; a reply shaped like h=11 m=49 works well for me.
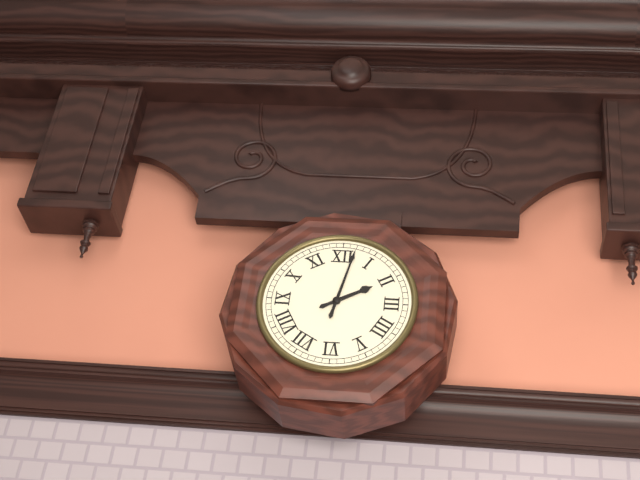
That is h=2 m=2
